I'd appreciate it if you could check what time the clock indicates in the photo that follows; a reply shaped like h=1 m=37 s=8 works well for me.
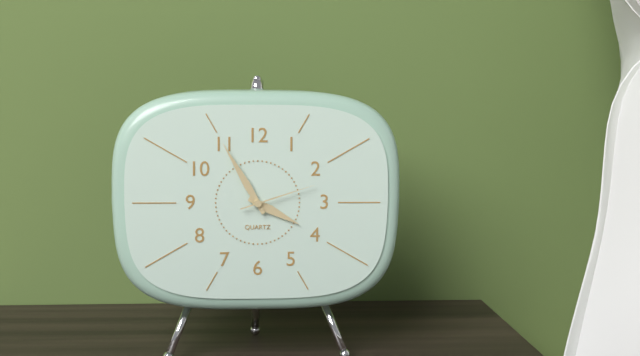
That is h=3 m=55 s=12
